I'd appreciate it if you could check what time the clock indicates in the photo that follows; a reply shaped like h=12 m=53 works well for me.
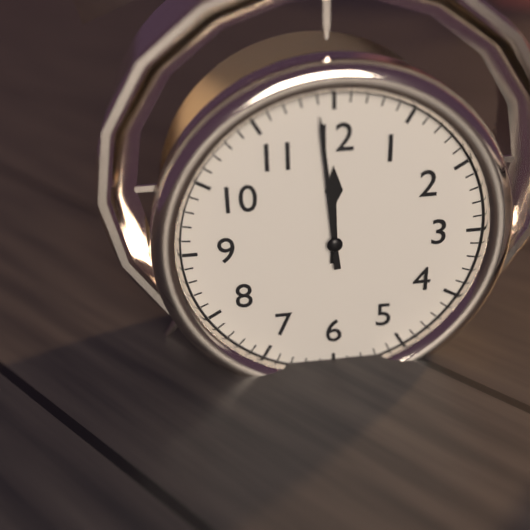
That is h=11 m=59
